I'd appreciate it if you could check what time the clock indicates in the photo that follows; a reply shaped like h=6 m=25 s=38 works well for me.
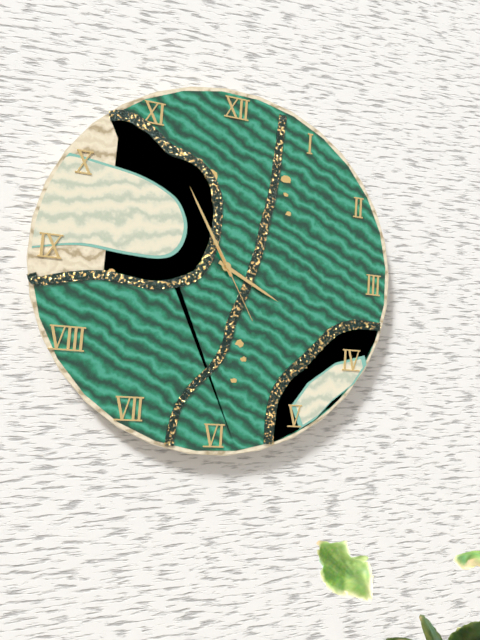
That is h=3 m=55 s=25
